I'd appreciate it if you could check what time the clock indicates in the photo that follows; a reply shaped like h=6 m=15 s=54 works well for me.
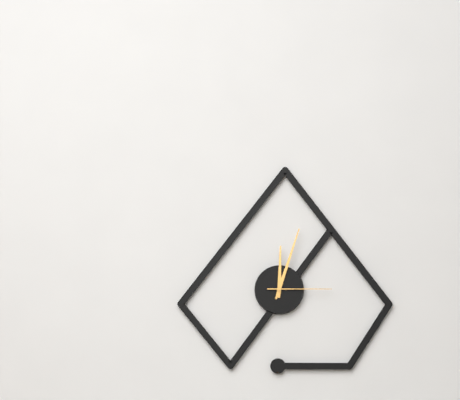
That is h=12 m=3 s=15
